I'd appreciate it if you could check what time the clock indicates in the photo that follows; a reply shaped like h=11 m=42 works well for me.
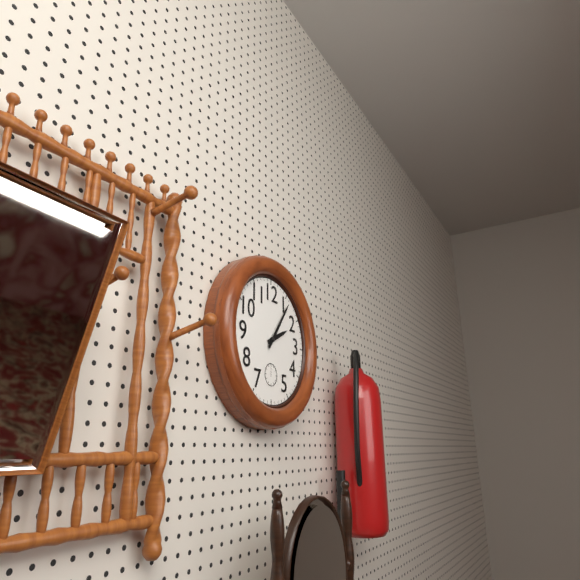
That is h=2 m=6
